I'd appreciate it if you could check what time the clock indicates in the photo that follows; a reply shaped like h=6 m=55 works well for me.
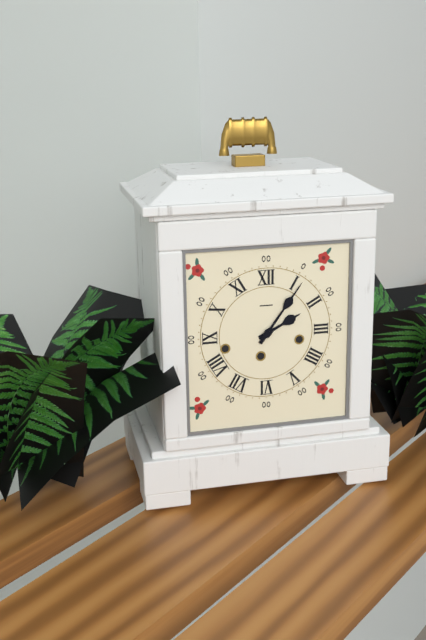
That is h=2 m=6
